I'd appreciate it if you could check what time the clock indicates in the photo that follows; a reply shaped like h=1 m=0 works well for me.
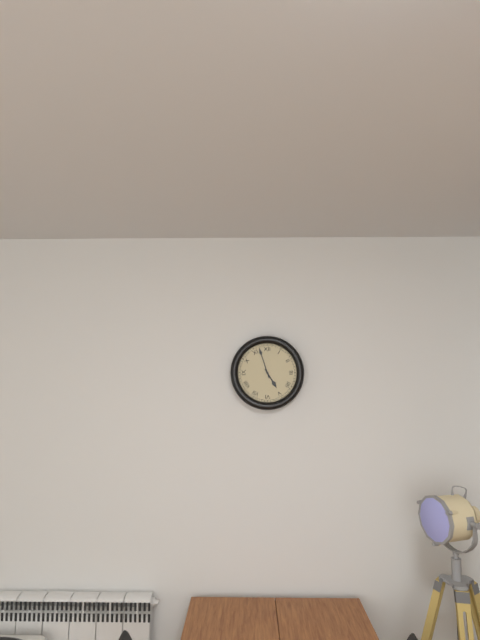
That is h=4 m=57
